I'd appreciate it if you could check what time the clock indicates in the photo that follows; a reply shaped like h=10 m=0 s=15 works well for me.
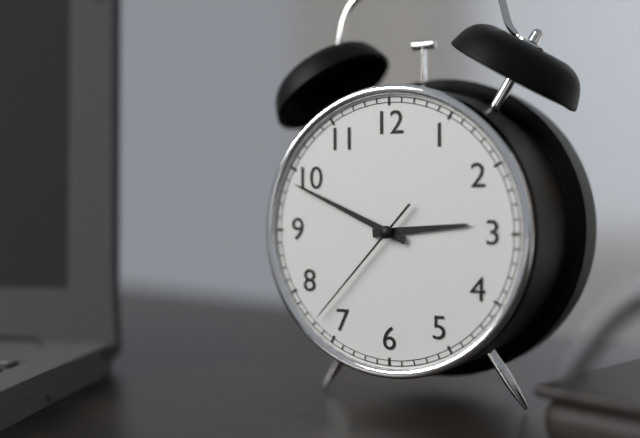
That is h=2 m=49 s=37
